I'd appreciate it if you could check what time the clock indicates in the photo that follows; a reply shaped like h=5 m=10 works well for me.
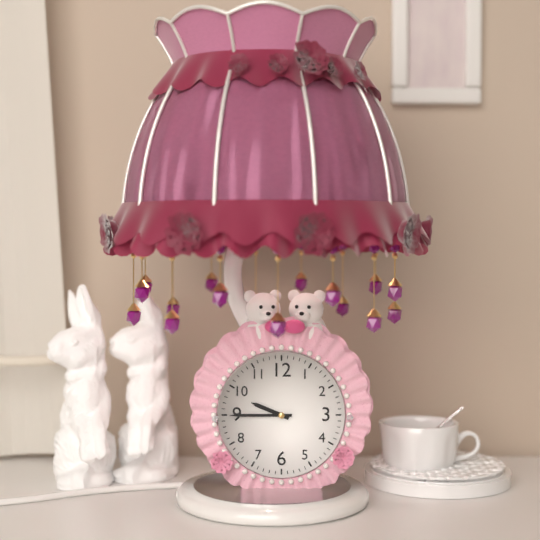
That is h=9 m=45
